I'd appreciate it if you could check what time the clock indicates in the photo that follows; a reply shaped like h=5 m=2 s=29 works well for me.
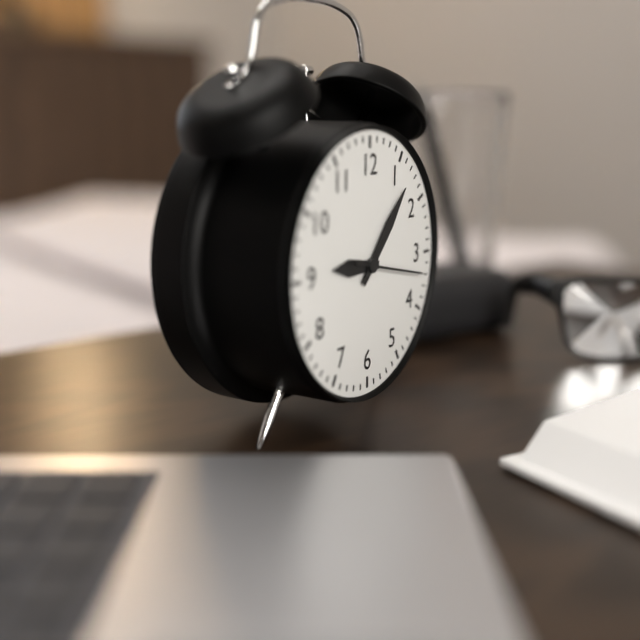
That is h=9 m=7 s=17
